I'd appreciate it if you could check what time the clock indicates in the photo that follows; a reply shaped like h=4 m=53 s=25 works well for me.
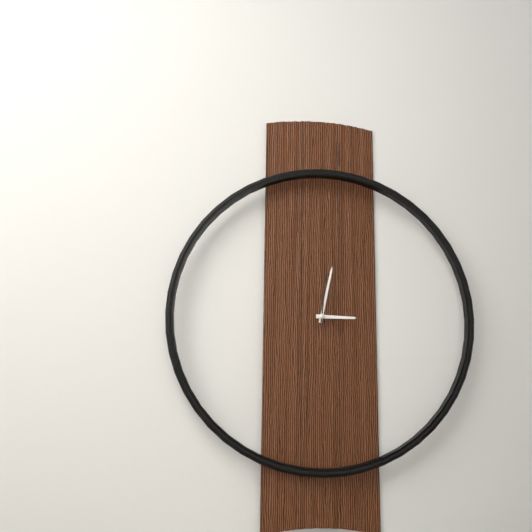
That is h=3 m=2 s=1
